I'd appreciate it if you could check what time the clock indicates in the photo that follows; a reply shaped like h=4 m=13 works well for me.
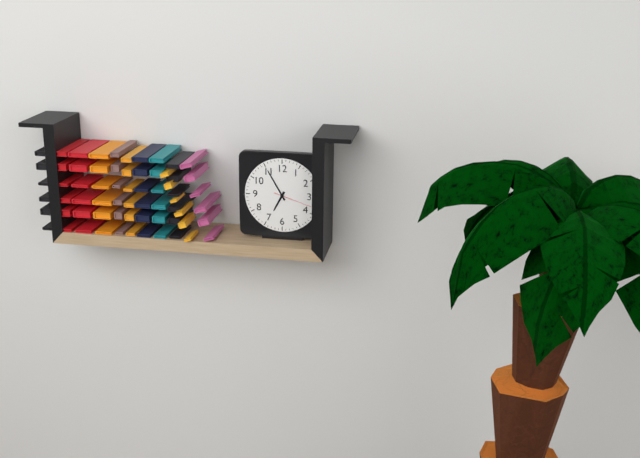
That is h=6 m=55
